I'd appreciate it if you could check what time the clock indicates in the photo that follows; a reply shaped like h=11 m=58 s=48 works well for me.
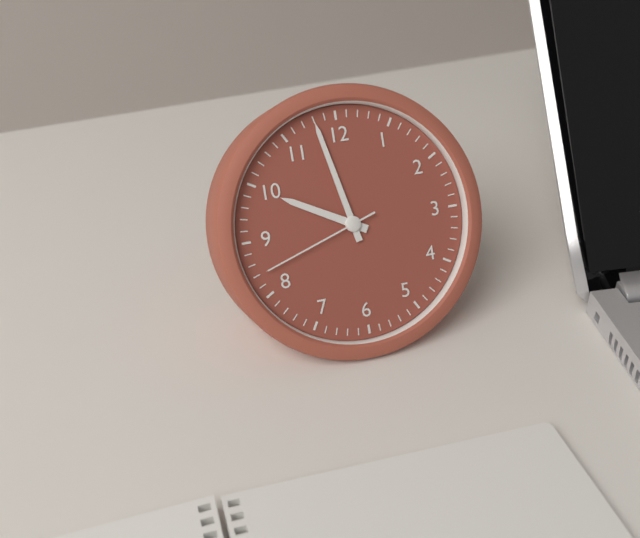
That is h=9 m=58 s=42
